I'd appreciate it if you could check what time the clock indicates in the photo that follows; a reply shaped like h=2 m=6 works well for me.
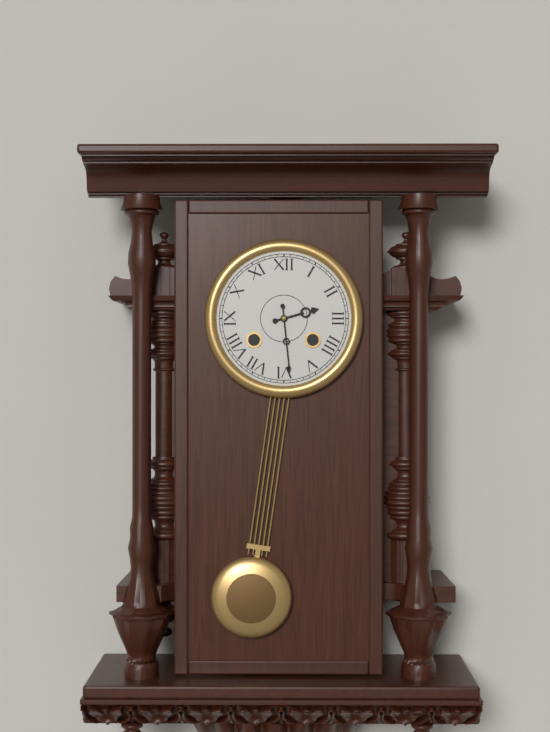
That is h=2 m=29
